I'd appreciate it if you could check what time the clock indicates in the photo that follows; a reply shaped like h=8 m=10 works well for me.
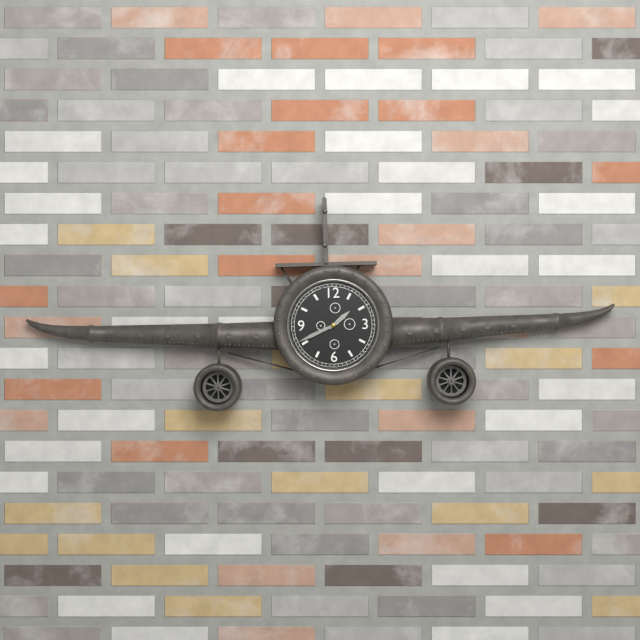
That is h=1 m=41
